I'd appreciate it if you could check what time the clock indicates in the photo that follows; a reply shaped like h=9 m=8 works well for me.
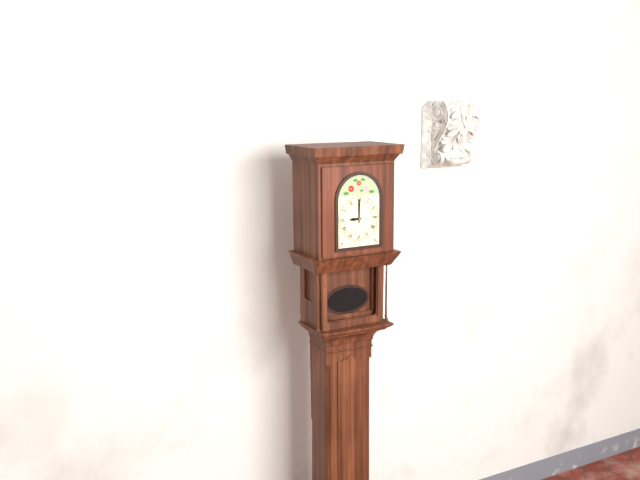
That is h=9 m=0
